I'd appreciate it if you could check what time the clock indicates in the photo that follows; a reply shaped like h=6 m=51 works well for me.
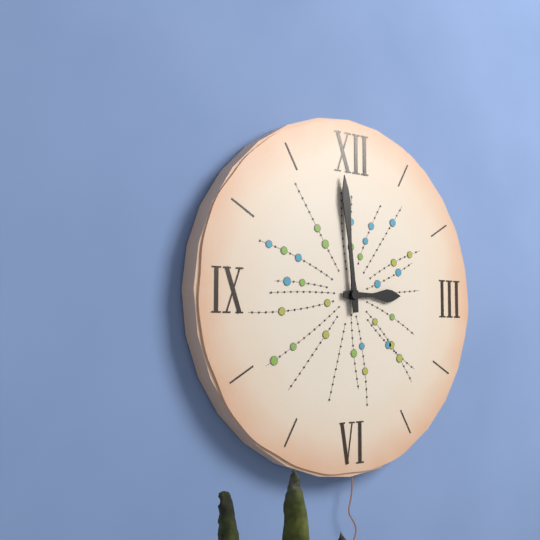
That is h=2 m=59
